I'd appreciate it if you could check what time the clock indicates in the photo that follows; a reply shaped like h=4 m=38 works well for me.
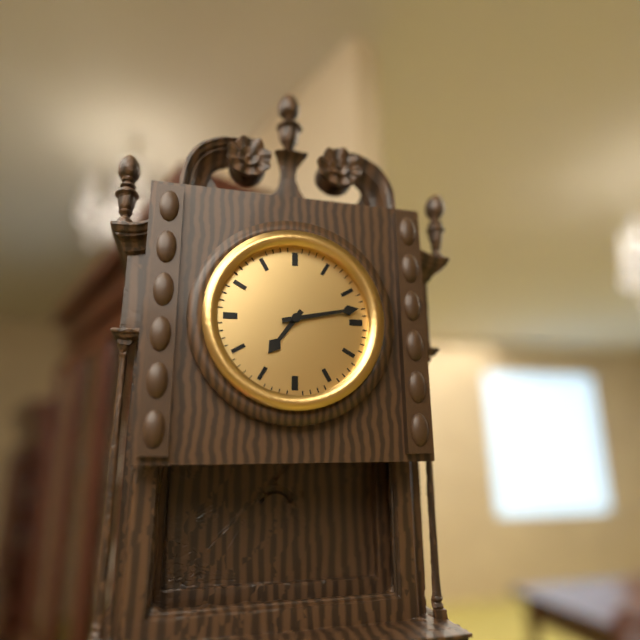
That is h=7 m=13
